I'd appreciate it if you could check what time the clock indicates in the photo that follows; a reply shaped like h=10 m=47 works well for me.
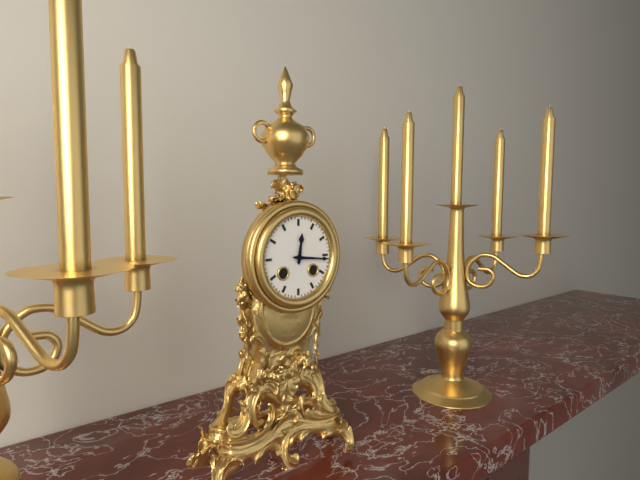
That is h=12 m=16
